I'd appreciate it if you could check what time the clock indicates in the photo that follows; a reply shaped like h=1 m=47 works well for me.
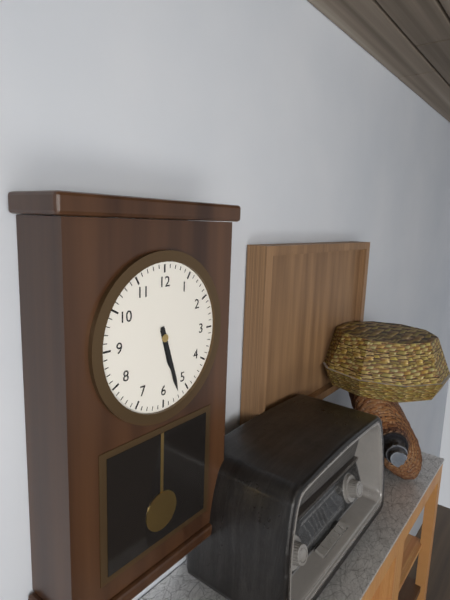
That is h=5 m=27
